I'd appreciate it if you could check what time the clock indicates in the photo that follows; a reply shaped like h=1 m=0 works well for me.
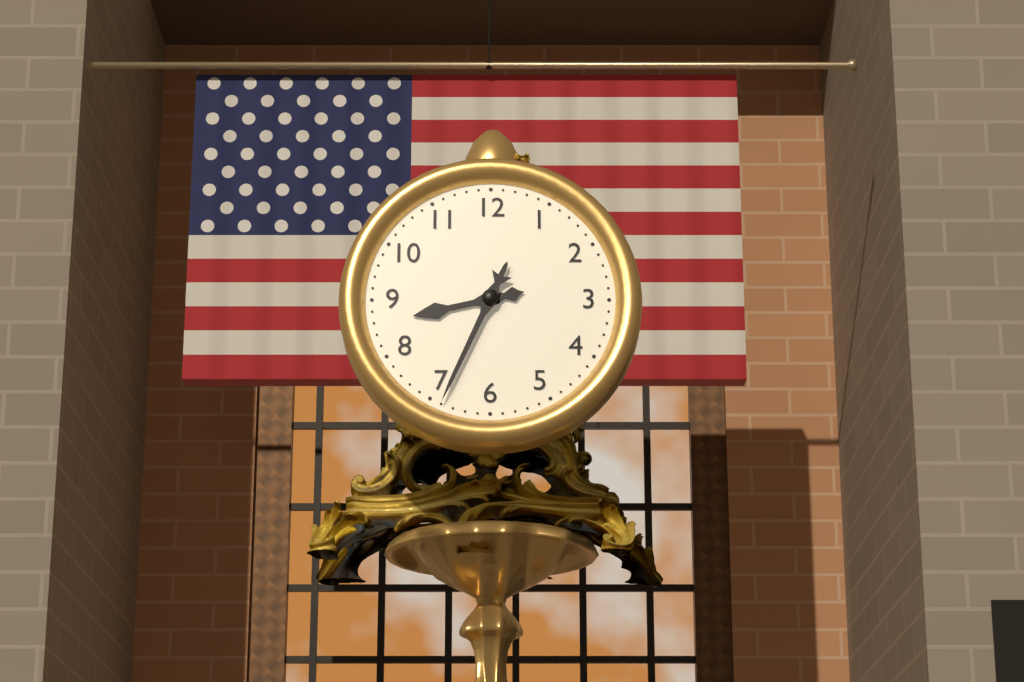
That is h=8 m=34
